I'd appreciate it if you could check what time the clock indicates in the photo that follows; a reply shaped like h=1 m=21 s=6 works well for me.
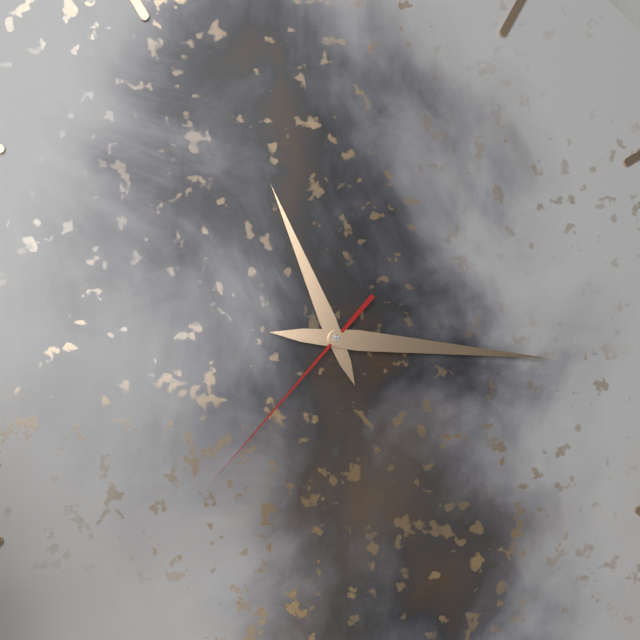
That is h=11 m=16 s=37
